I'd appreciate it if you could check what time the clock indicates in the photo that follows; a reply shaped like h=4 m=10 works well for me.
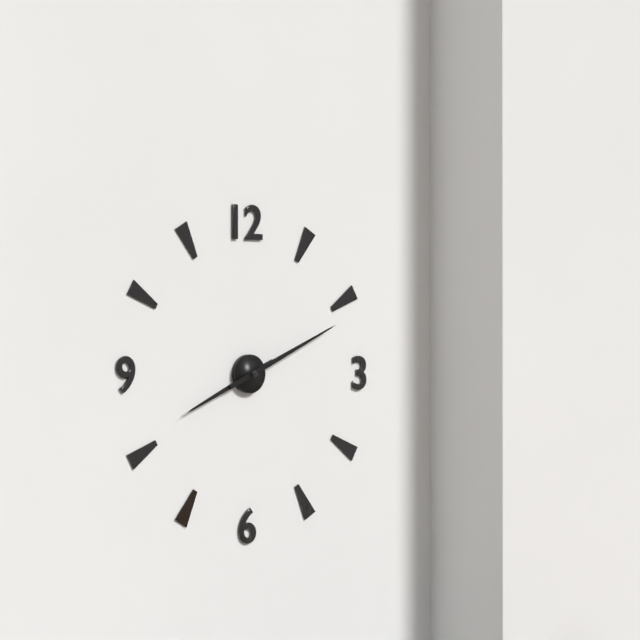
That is h=8 m=11
